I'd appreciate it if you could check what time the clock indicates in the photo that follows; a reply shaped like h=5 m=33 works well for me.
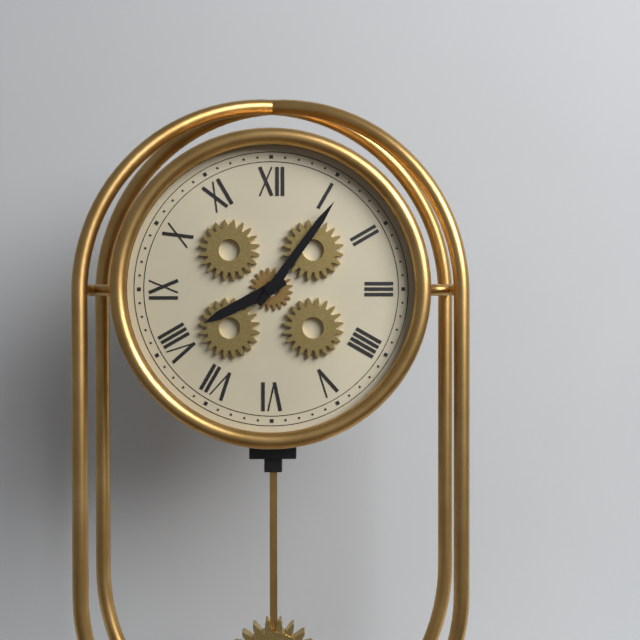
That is h=8 m=6
